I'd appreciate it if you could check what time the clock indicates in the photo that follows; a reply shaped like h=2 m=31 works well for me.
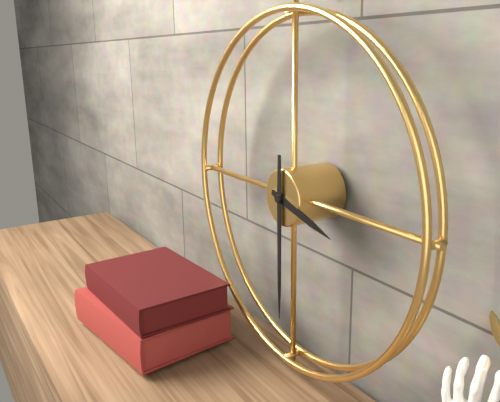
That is h=3 m=30
